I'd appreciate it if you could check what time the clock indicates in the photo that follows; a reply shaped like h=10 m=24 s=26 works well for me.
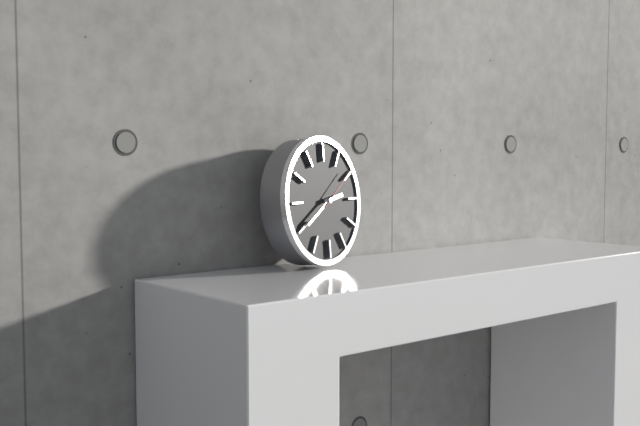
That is h=2 m=40 s=9
